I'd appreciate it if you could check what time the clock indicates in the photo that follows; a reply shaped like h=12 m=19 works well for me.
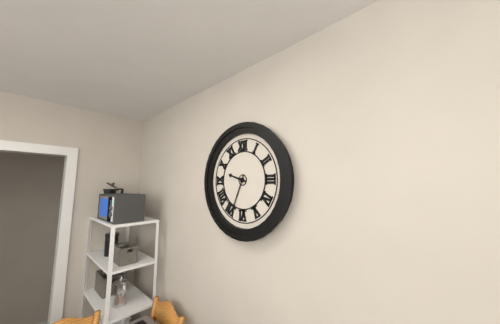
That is h=9 m=34
